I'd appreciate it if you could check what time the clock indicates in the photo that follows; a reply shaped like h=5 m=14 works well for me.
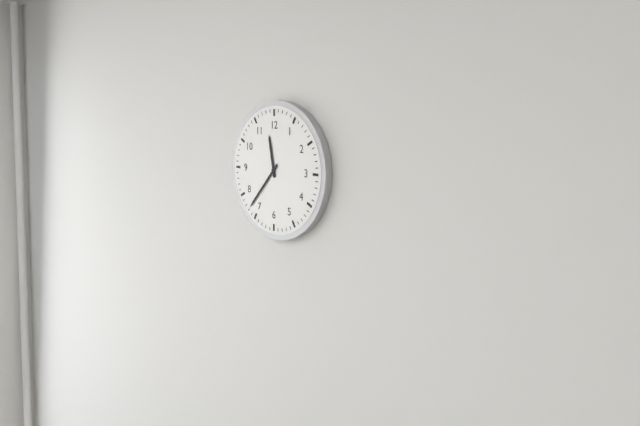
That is h=11 m=37
